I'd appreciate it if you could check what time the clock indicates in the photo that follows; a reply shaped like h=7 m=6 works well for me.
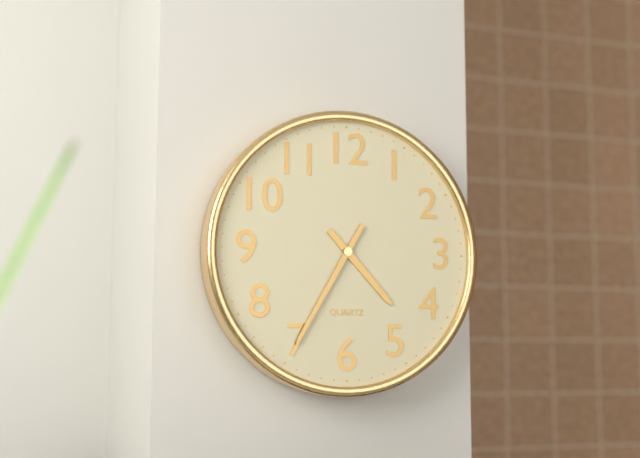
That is h=4 m=35
